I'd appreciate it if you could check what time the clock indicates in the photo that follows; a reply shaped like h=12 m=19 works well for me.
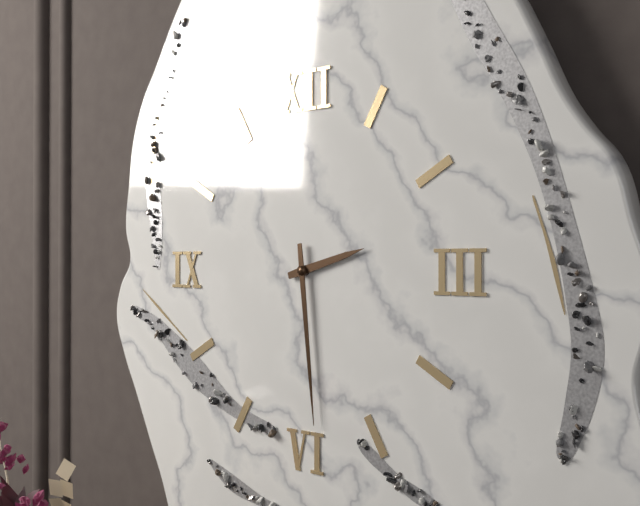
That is h=2 m=29
